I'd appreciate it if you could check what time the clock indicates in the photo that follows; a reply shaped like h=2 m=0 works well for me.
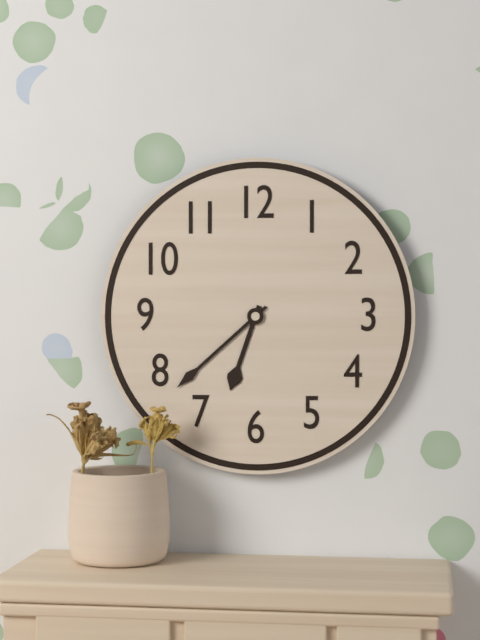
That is h=6 m=38
